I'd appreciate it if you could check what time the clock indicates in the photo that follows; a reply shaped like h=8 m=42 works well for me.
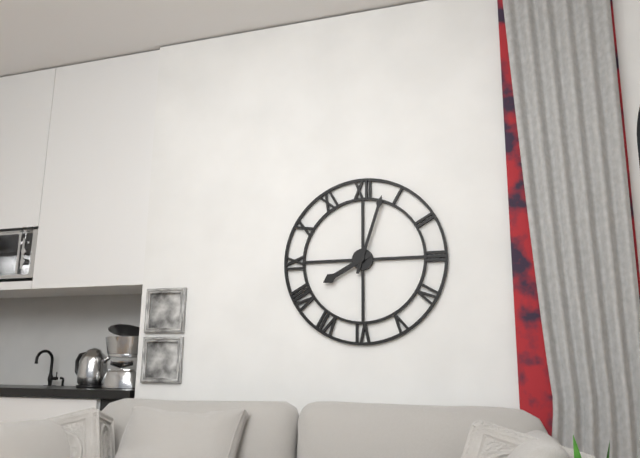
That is h=8 m=3
